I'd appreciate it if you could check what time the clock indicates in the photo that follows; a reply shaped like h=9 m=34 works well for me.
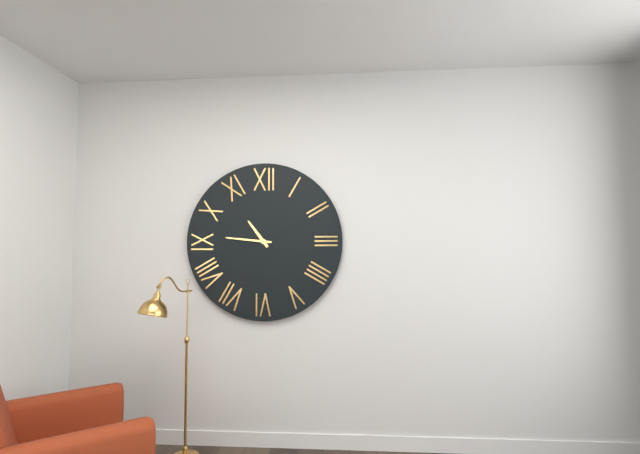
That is h=10 m=46
